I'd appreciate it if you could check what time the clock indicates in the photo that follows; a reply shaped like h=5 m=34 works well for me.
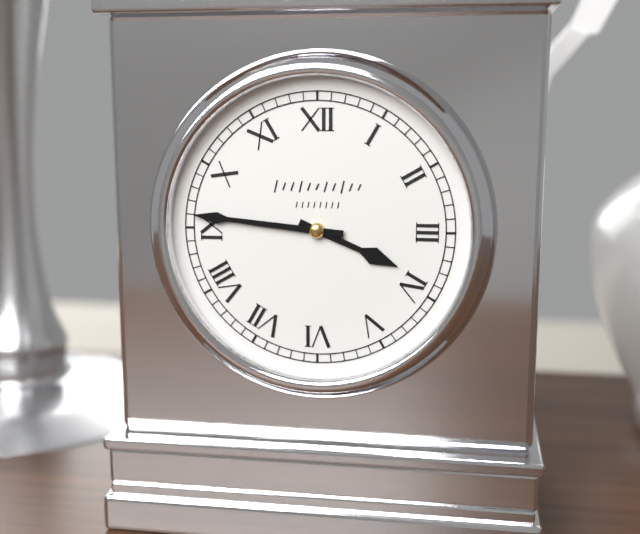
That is h=3 m=46
